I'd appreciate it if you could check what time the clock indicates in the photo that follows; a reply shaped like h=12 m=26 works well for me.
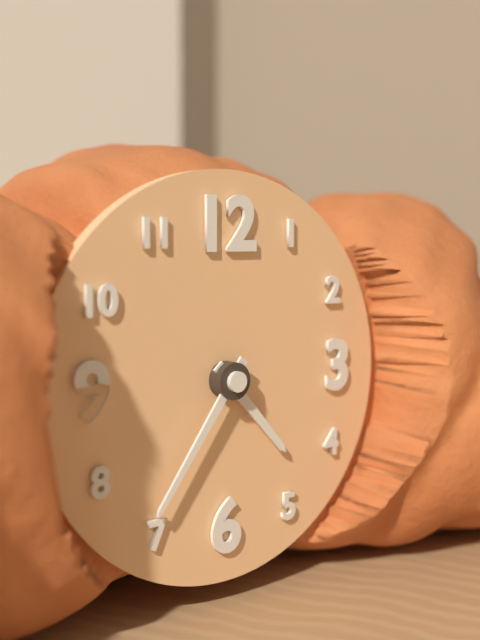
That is h=4 m=36
